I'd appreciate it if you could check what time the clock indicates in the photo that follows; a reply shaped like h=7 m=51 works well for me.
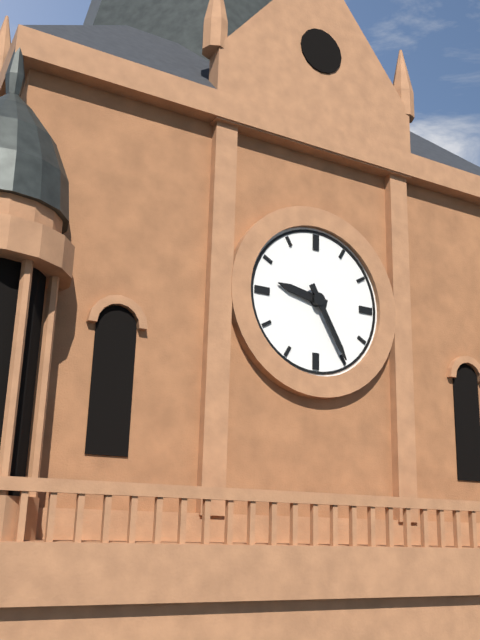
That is h=9 m=25
